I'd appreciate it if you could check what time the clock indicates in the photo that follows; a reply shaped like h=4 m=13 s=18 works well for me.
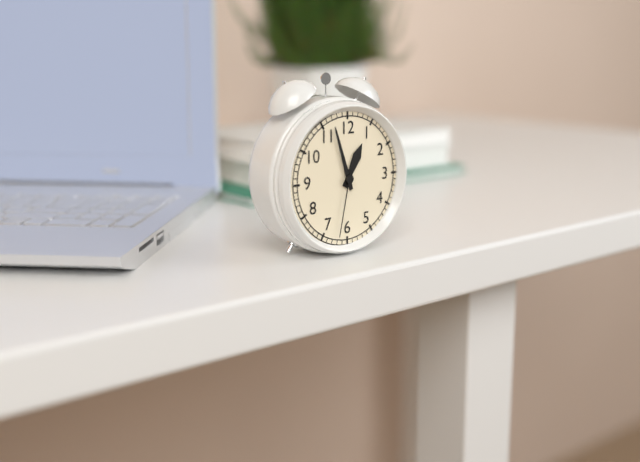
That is h=12 m=57 s=32
